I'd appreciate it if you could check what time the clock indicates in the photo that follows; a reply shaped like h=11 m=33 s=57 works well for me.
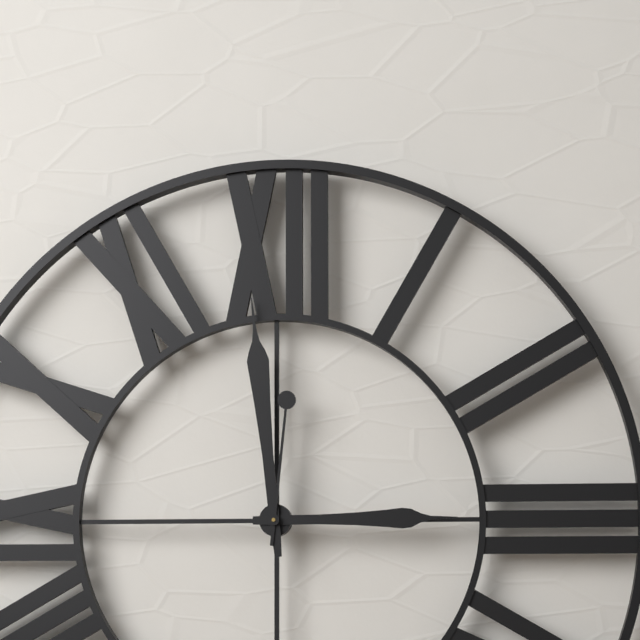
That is h=2 m=59 s=1
